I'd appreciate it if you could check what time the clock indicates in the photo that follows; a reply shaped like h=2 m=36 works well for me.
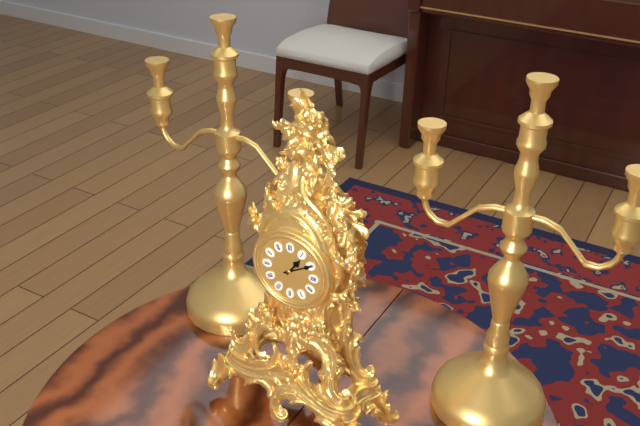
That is h=1 m=10
